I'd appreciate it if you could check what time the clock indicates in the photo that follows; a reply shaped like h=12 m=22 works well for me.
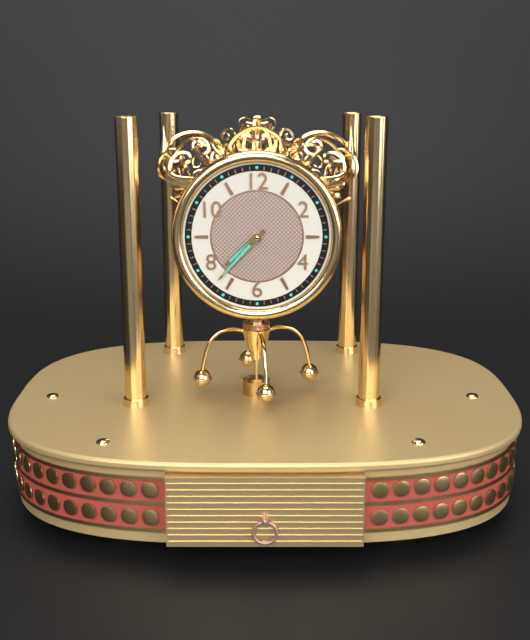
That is h=7 m=37
